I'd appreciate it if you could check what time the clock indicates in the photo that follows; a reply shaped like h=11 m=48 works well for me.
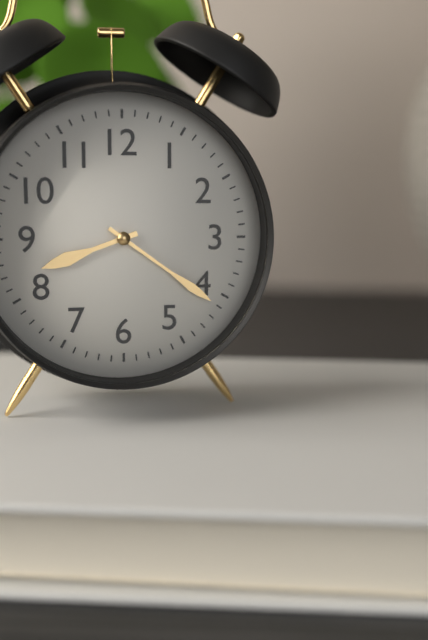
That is h=8 m=21
